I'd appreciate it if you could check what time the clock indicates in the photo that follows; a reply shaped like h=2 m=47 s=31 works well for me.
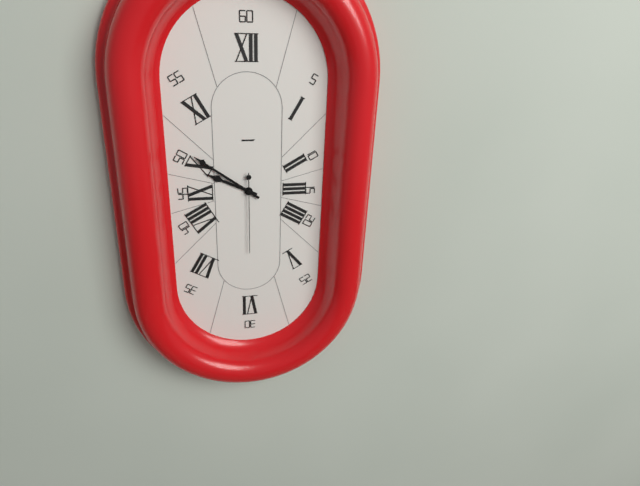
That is h=9 m=51 s=30
